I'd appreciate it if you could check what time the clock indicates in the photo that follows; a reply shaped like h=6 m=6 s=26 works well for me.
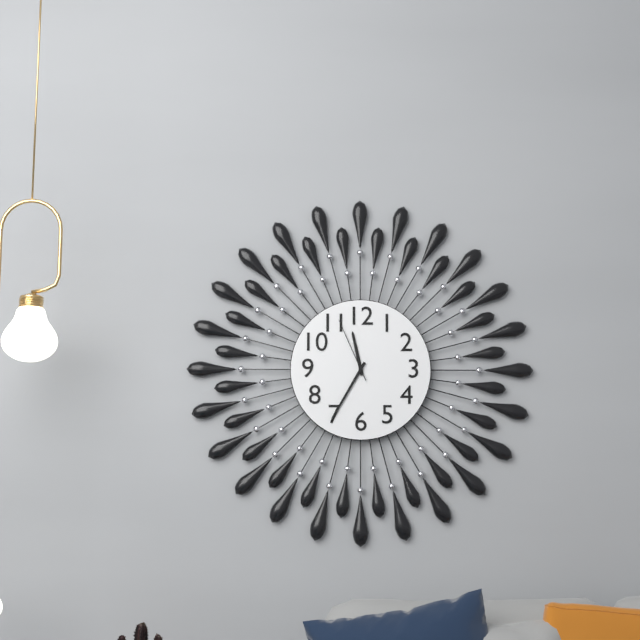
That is h=11 m=35 s=56
